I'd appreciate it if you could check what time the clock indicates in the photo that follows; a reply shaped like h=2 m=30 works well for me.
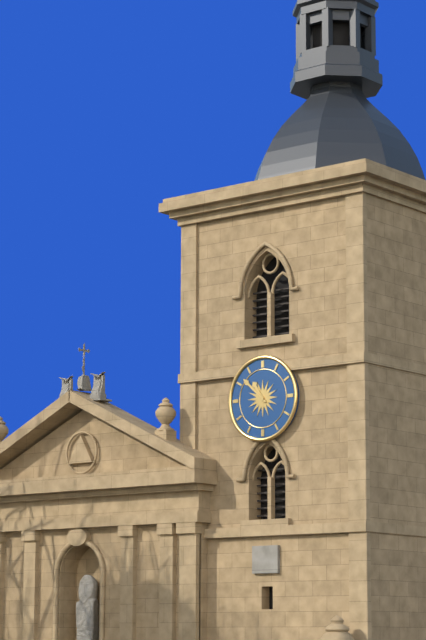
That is h=10 m=52
